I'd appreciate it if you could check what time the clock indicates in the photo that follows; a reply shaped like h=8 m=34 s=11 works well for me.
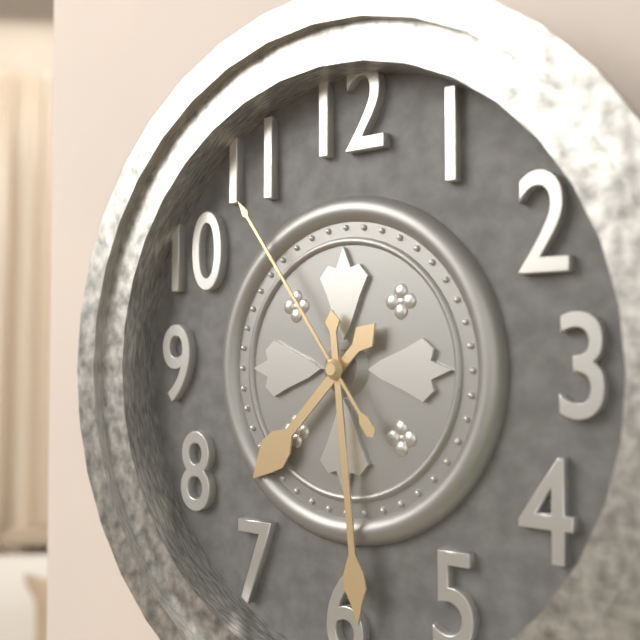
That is h=7 m=29 s=54
